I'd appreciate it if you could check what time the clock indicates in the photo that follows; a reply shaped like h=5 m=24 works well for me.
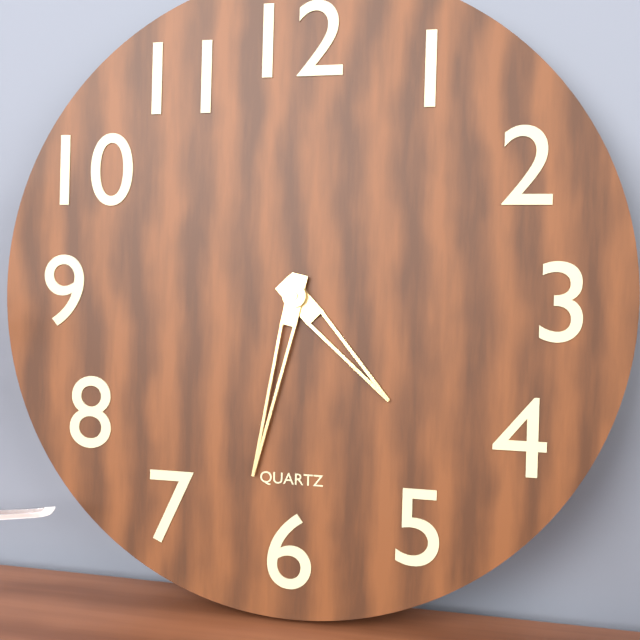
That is h=4 m=32
